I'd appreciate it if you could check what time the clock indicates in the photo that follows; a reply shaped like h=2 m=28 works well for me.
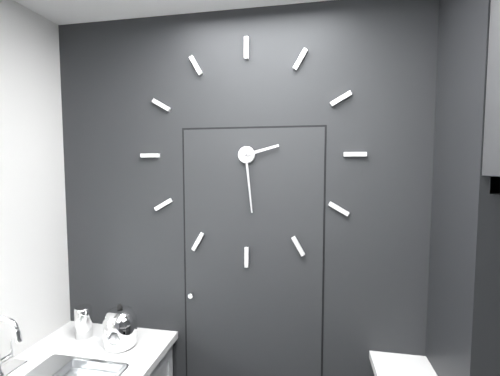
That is h=2 m=29
